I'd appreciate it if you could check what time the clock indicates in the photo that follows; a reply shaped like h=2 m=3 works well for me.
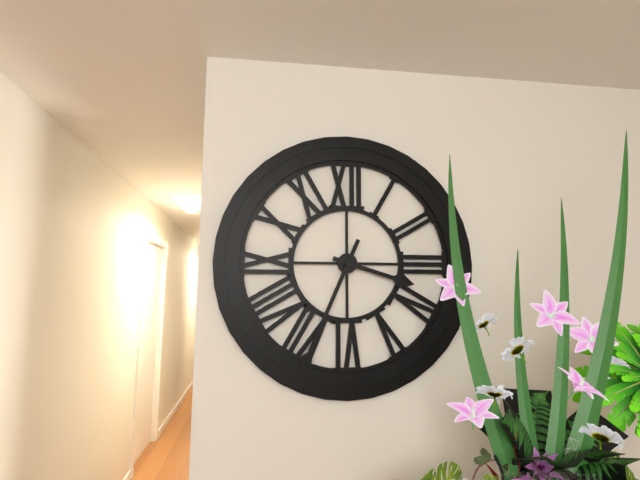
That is h=3 m=34
